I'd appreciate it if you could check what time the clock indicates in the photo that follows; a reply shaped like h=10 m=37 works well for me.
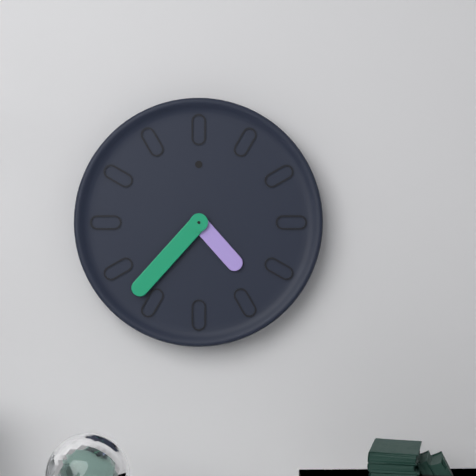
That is h=4 m=37
